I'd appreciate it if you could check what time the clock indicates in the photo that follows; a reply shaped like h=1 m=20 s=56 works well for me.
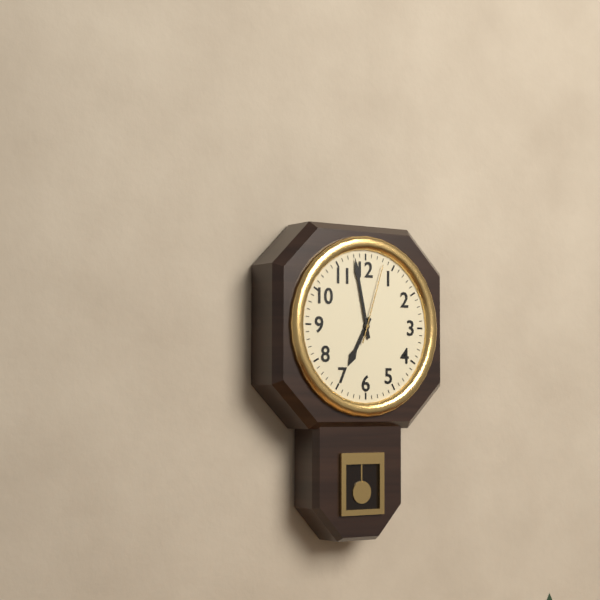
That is h=6 m=58 s=3
